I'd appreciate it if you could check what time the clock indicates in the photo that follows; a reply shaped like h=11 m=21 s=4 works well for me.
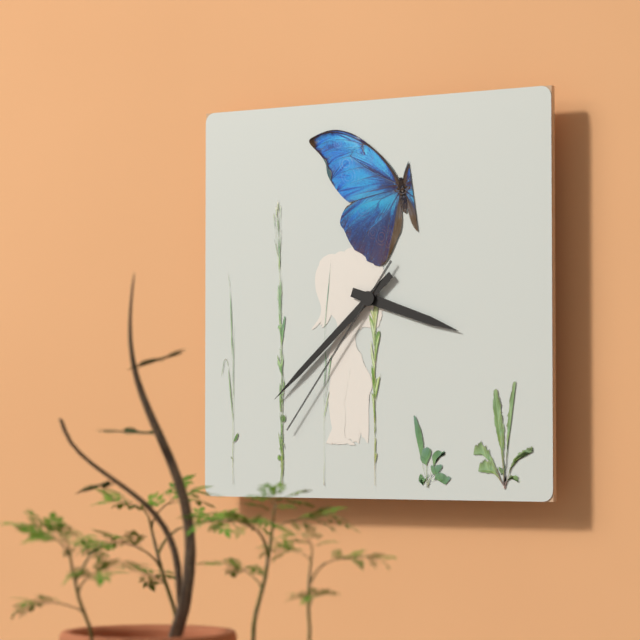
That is h=3 m=38 s=36
